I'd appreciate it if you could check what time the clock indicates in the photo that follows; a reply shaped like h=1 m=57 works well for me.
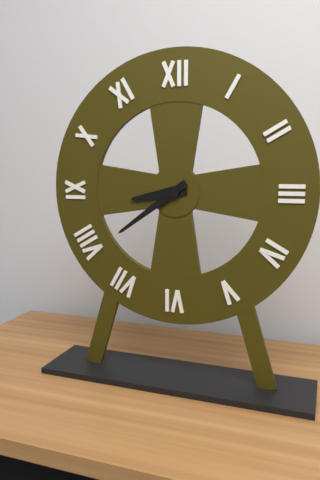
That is h=8 m=39
